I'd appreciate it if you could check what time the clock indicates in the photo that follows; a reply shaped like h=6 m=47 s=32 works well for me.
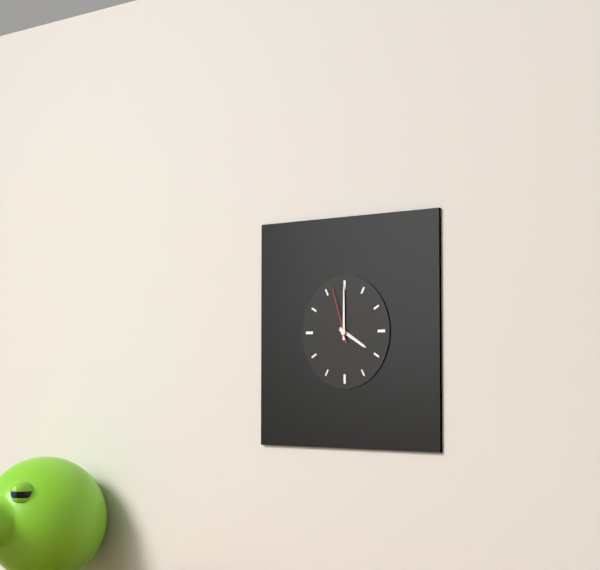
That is h=4 m=0 s=57
